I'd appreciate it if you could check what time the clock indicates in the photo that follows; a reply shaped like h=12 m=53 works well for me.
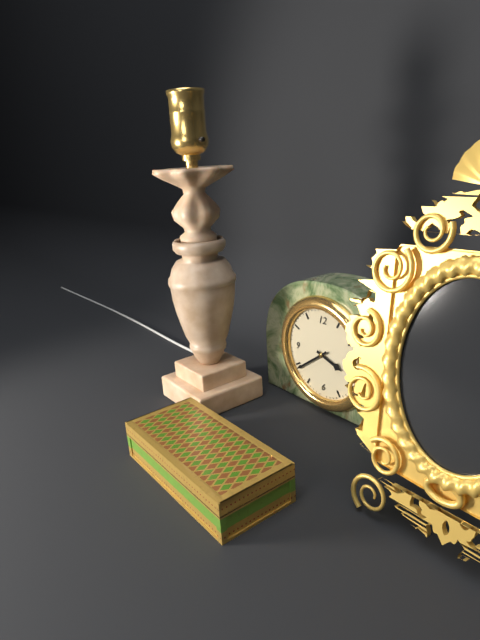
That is h=3 m=39
